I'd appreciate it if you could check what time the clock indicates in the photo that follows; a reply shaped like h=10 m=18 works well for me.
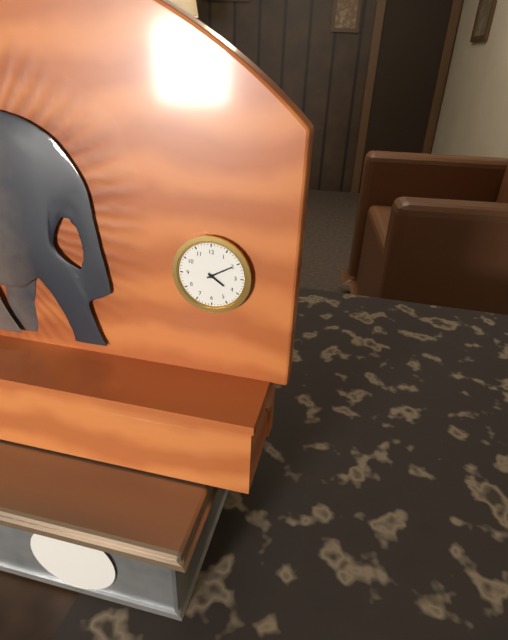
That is h=4 m=10
